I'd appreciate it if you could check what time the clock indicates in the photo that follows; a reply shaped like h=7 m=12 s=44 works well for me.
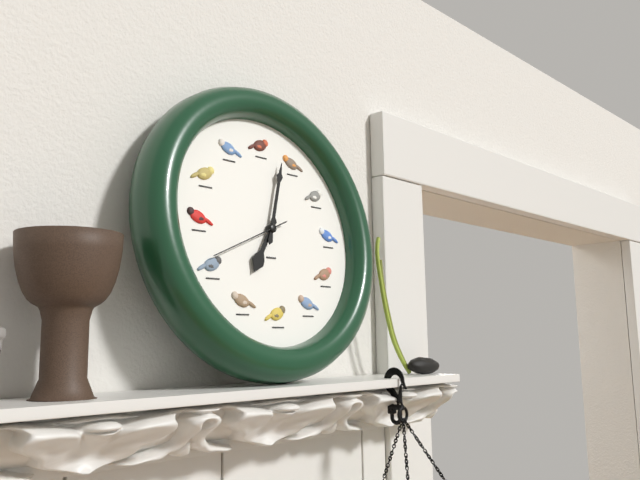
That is h=7 m=3 s=41
